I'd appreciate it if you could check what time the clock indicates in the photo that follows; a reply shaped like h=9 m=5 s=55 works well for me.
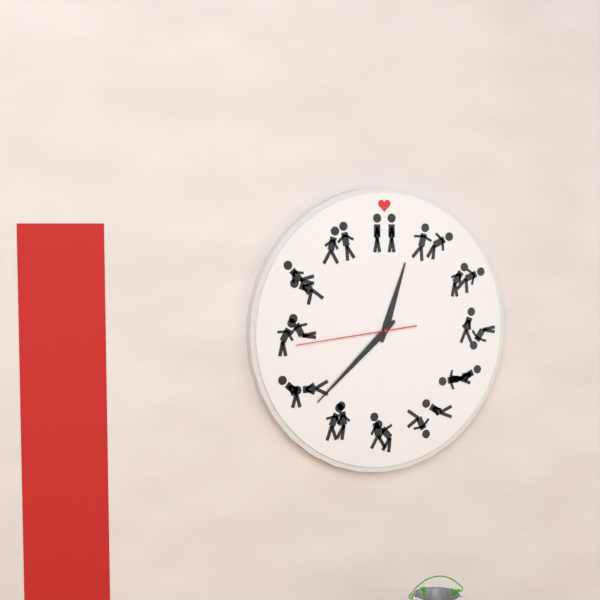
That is h=12 m=38 s=44
